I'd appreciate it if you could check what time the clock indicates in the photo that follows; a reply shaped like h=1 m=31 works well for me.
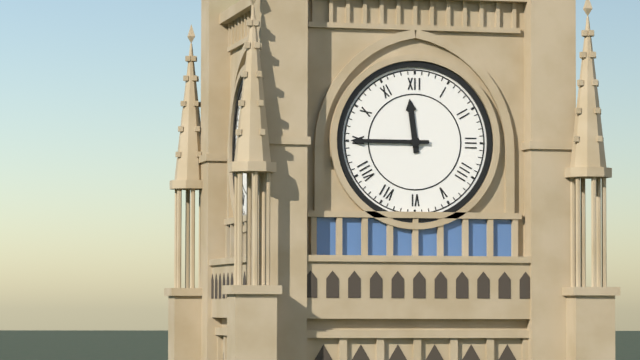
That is h=11 m=45
